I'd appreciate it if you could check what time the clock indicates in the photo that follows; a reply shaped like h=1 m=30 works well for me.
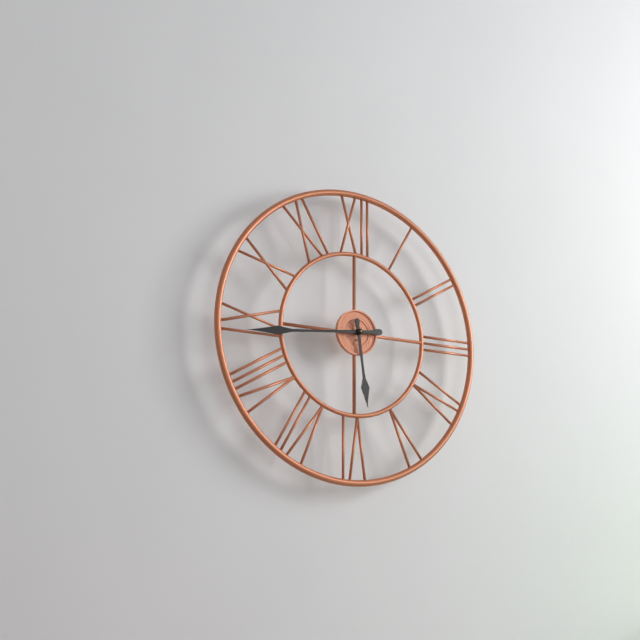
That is h=5 m=44
